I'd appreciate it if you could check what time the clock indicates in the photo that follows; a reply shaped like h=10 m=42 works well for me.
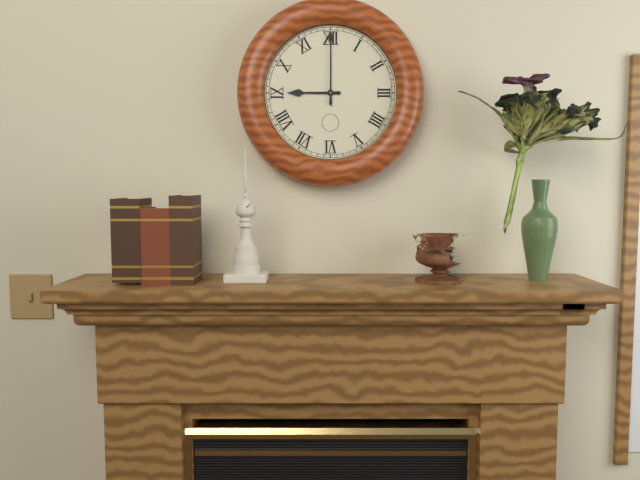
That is h=9 m=0
